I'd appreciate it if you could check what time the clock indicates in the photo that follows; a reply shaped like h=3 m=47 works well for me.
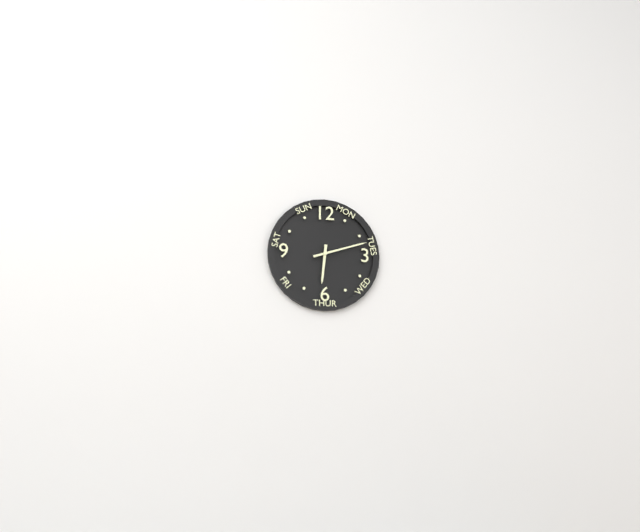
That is h=6 m=12
